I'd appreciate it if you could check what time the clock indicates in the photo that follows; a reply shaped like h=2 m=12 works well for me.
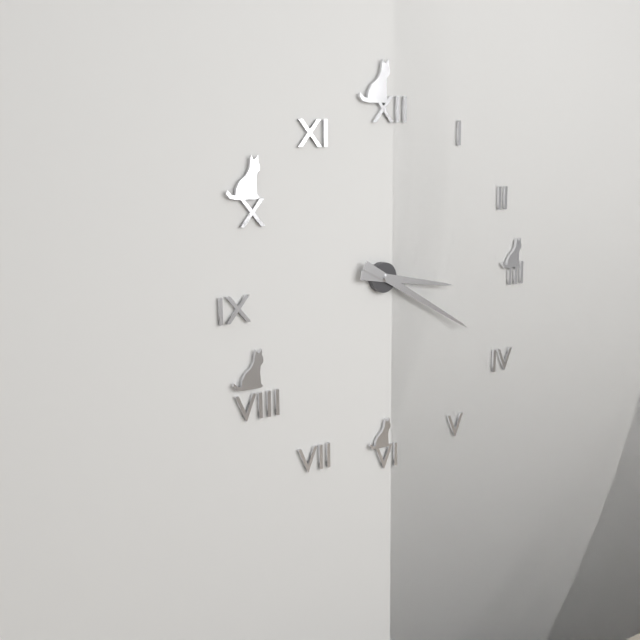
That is h=3 m=20
